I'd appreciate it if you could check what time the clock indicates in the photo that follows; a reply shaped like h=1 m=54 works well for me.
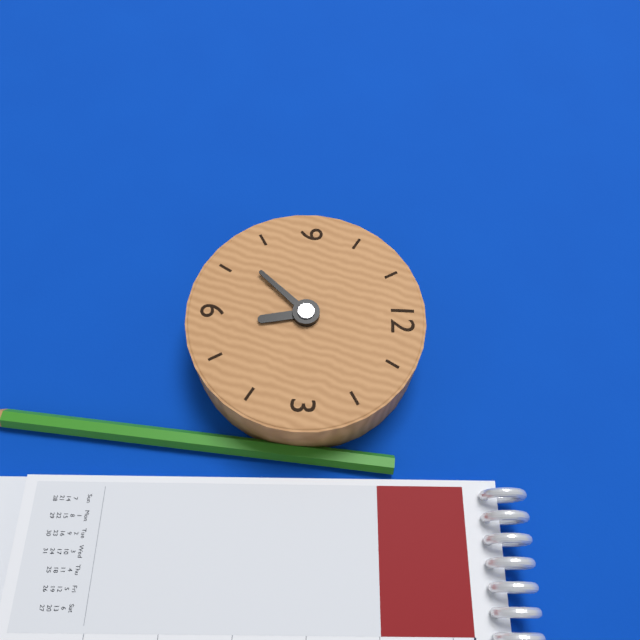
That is h=5 m=37
